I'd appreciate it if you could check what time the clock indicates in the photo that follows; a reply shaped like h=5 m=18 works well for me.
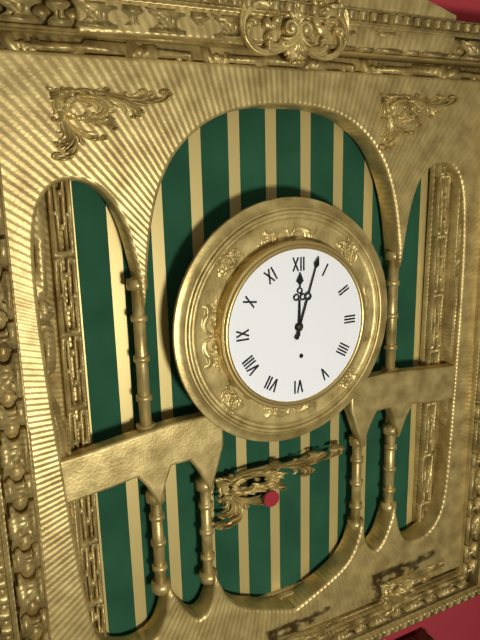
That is h=12 m=3
